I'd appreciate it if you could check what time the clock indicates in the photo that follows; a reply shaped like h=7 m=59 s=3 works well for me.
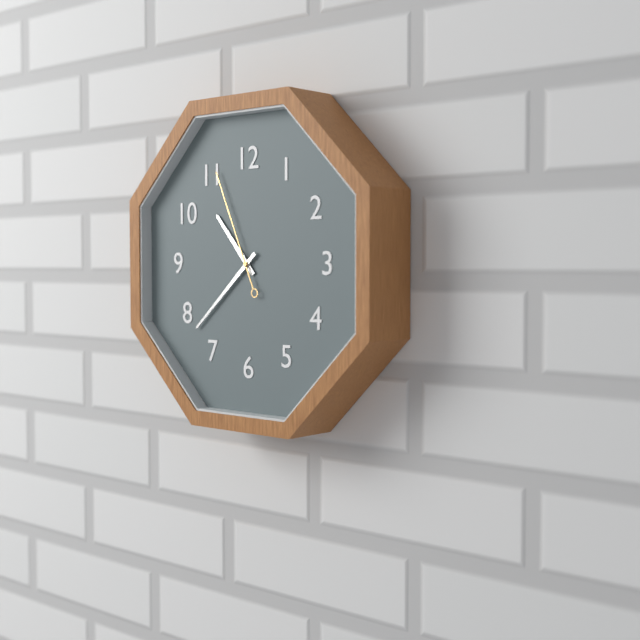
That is h=10 m=38 s=56
